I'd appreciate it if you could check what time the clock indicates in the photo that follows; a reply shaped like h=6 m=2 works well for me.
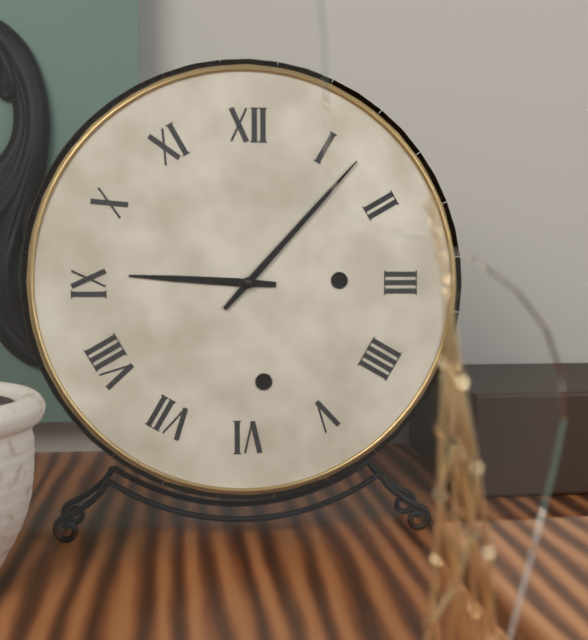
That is h=9 m=7
